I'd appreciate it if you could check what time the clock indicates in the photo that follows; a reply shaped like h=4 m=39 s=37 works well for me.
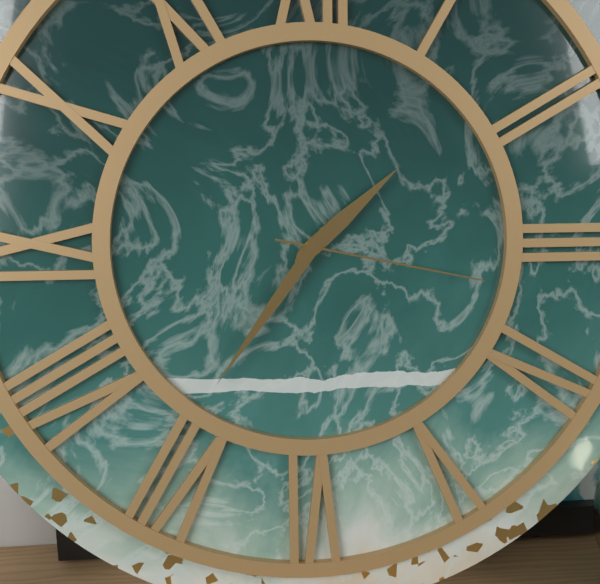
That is h=1 m=36 s=17
